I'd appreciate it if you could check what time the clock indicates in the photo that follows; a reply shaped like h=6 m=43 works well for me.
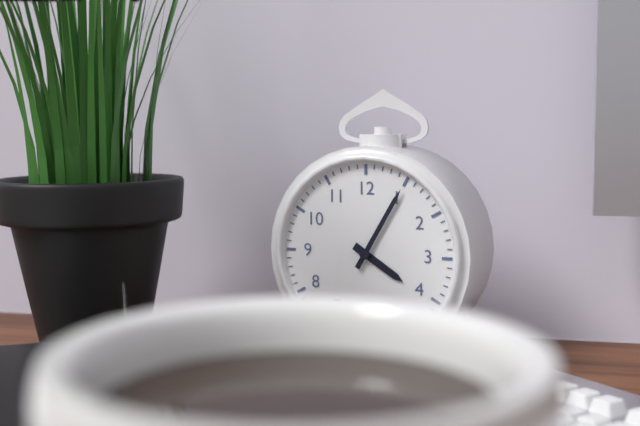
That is h=4 m=5
